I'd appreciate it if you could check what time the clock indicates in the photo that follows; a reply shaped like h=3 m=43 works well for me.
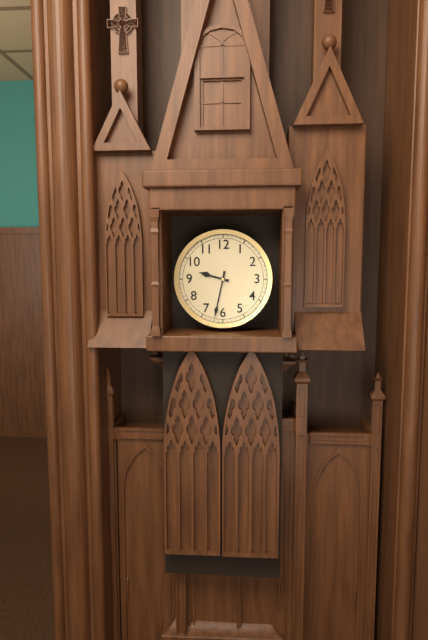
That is h=9 m=32
